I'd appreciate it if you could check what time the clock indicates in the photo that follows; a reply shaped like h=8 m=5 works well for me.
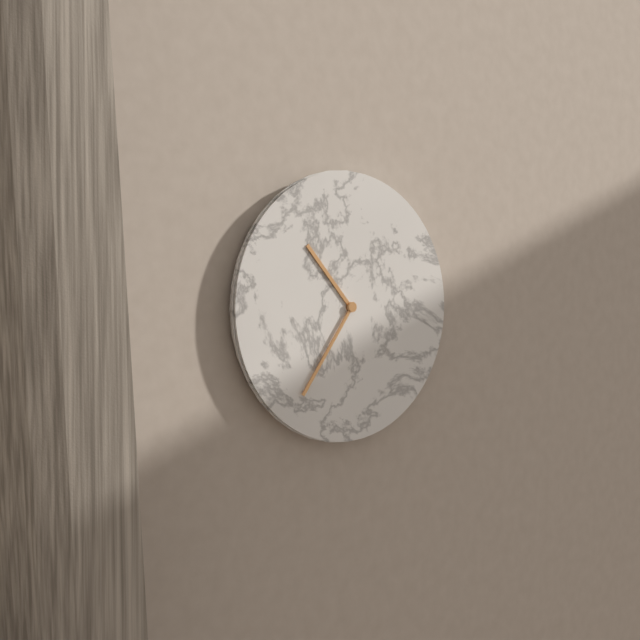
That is h=10 m=36
